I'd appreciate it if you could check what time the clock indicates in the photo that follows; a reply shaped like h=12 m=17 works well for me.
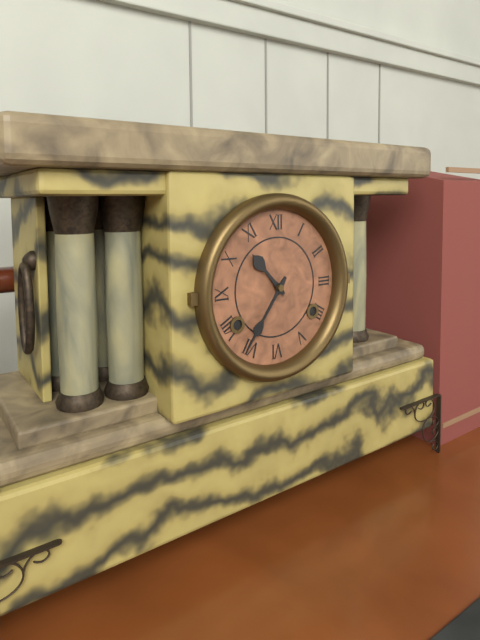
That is h=10 m=36
